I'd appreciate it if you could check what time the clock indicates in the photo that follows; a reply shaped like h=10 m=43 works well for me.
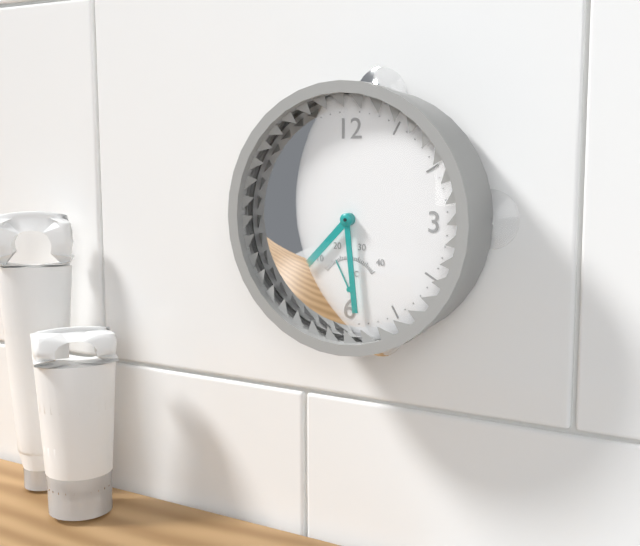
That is h=7 m=29
